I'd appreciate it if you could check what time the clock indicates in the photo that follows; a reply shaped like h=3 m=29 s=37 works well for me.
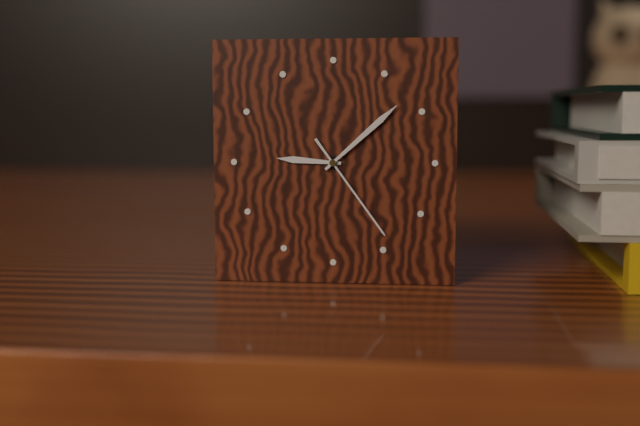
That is h=9 m=8 s=24
